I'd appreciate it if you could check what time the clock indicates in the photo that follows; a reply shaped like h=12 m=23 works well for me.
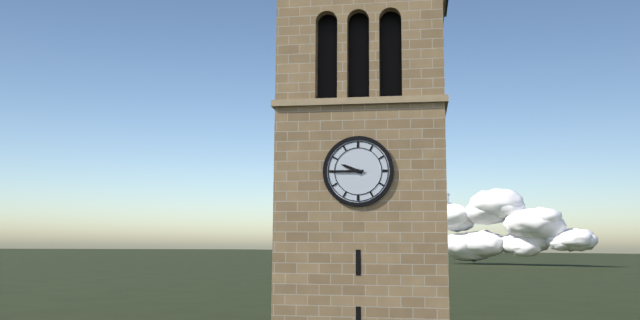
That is h=9 m=45
